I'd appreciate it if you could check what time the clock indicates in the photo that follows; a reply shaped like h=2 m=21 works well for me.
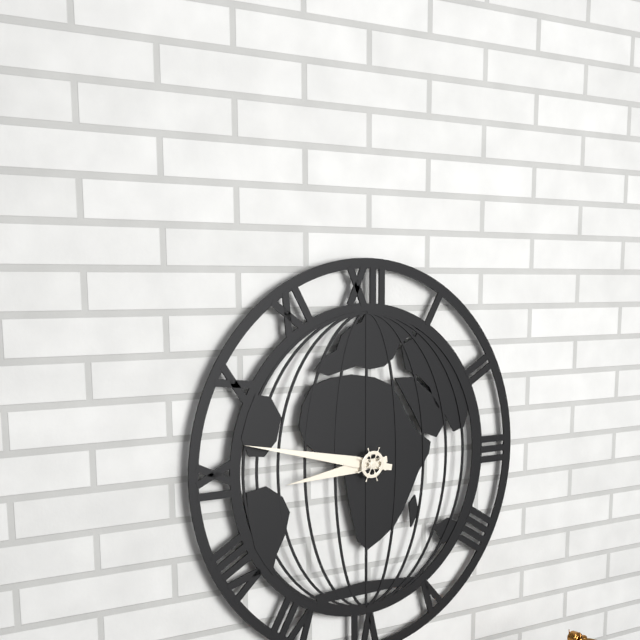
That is h=8 m=47
